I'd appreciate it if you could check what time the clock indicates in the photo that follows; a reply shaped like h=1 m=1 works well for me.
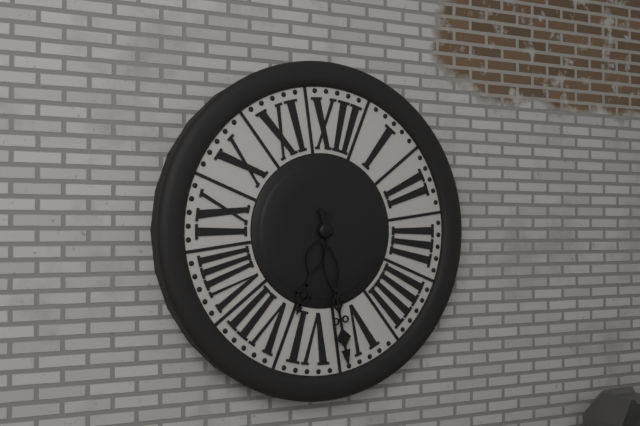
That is h=6 m=27
